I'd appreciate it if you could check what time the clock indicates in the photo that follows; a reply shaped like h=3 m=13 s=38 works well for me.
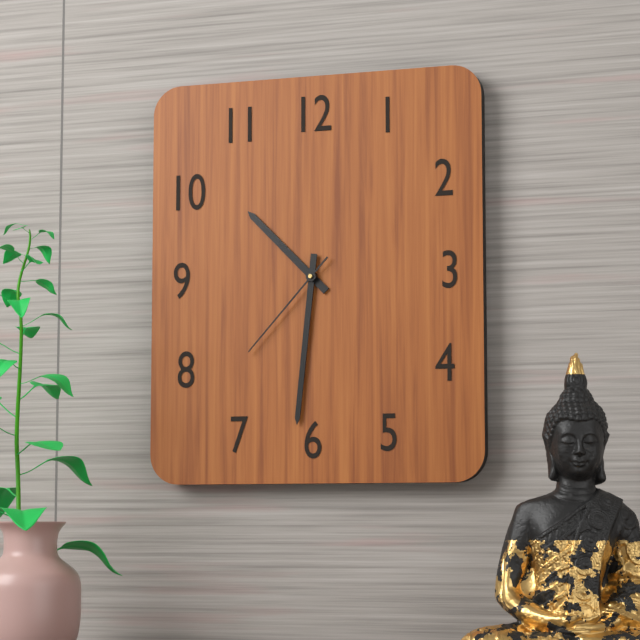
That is h=10 m=31 s=37
